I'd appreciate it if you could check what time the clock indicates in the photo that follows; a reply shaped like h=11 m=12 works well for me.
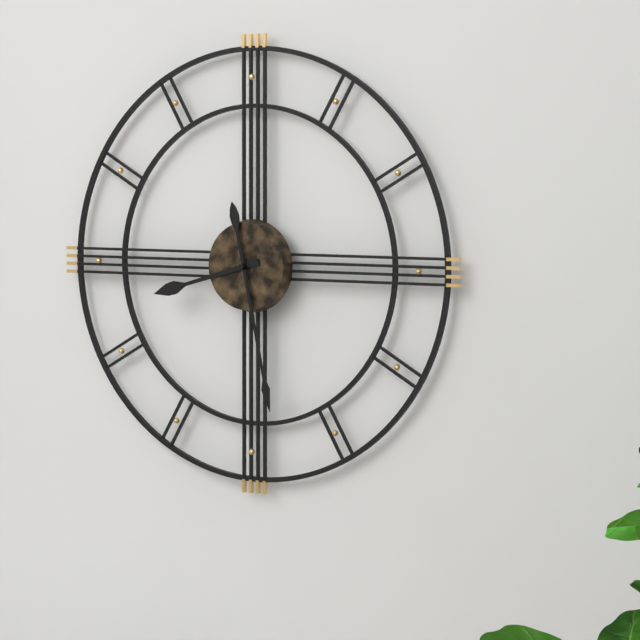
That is h=8 m=28
